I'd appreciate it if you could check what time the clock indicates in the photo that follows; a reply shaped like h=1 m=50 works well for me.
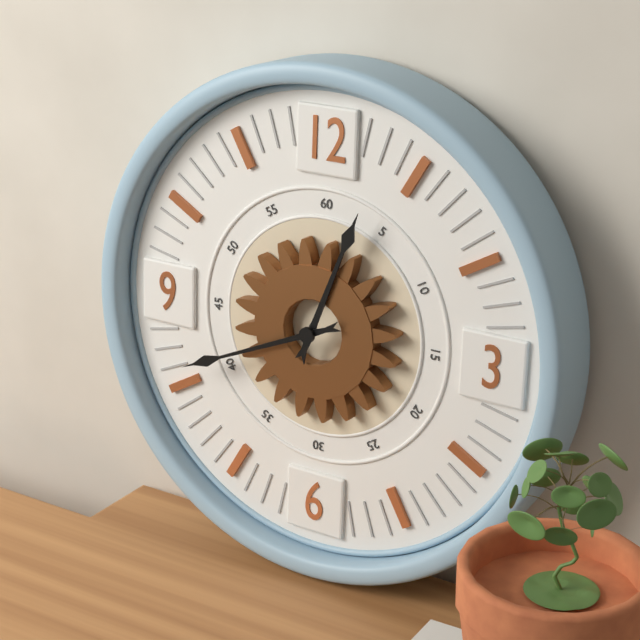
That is h=12 m=41
